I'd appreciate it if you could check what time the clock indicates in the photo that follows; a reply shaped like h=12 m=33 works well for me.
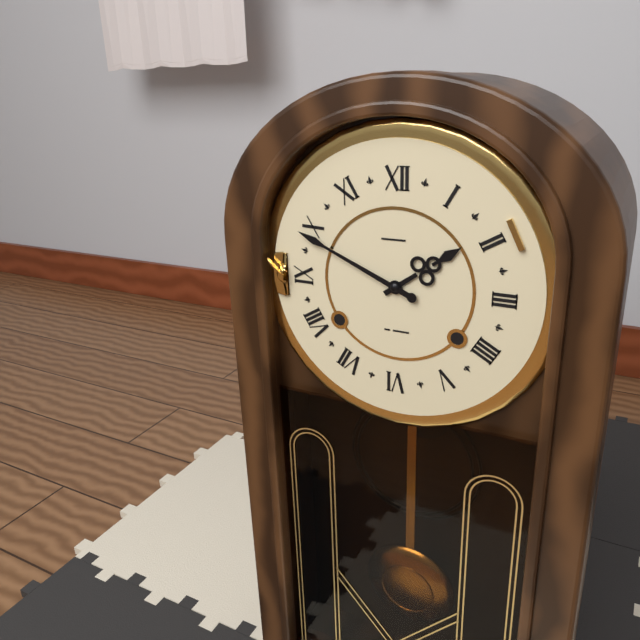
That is h=1 m=49
